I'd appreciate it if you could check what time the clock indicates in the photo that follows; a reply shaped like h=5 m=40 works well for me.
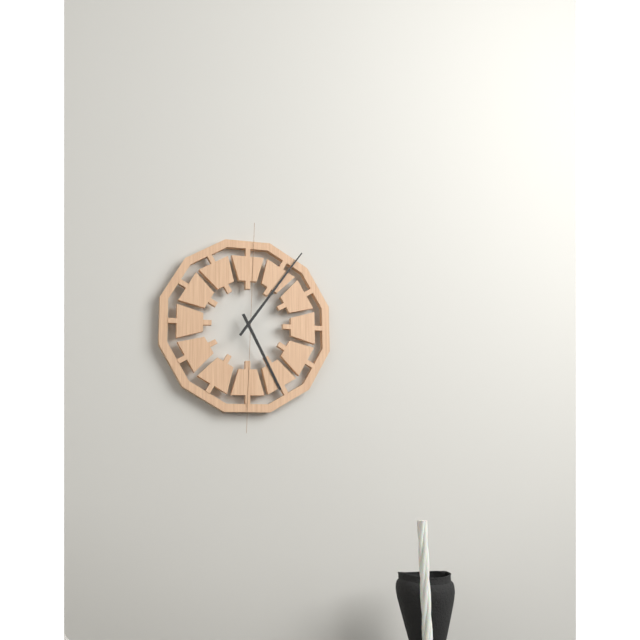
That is h=5 m=6
